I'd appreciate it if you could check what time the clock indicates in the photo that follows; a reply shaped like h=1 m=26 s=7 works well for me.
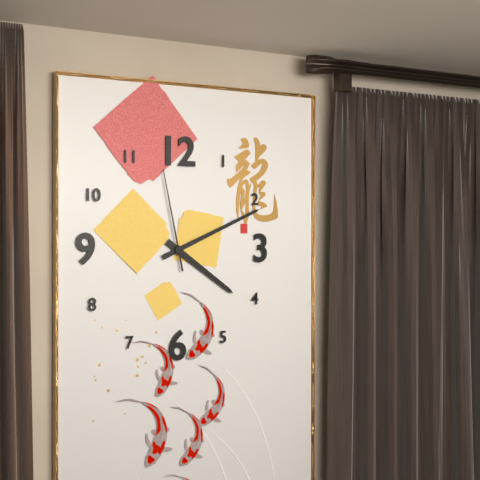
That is h=4 m=11 s=58
